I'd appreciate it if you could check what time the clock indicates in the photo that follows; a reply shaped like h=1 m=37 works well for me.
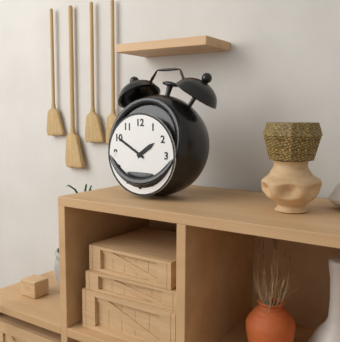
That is h=1 m=50
